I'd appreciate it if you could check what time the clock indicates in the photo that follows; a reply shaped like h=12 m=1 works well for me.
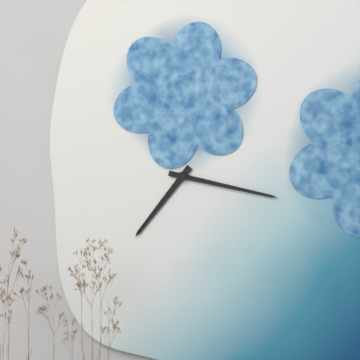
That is h=7 m=17
